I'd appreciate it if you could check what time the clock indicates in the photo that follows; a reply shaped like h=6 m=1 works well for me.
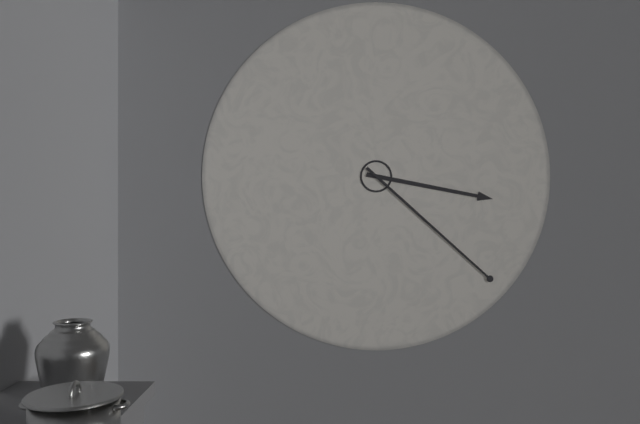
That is h=3 m=22
